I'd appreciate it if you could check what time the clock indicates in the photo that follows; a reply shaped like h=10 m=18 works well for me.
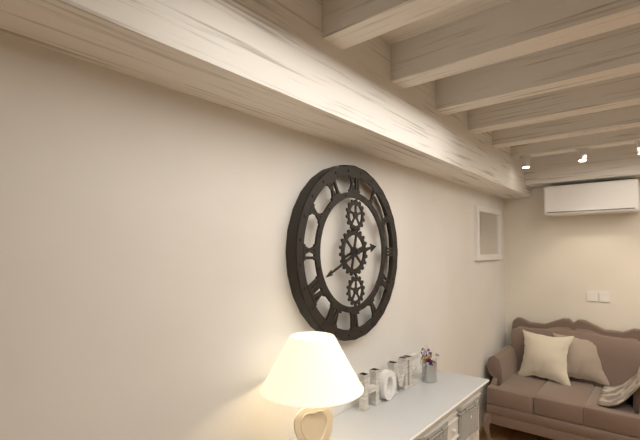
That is h=2 m=41
